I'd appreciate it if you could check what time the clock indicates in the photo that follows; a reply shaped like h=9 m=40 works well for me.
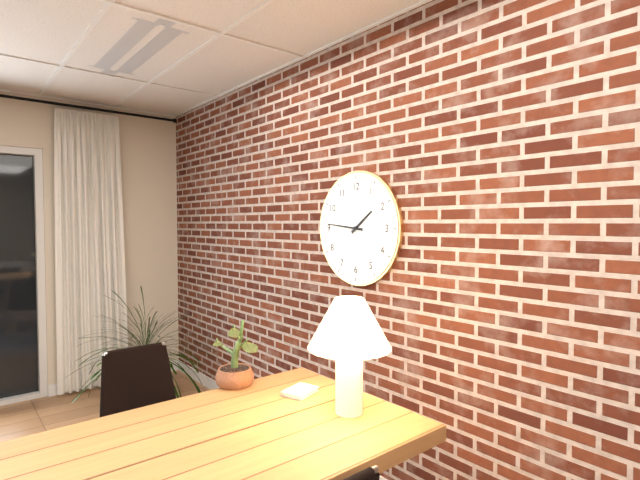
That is h=1 m=46
